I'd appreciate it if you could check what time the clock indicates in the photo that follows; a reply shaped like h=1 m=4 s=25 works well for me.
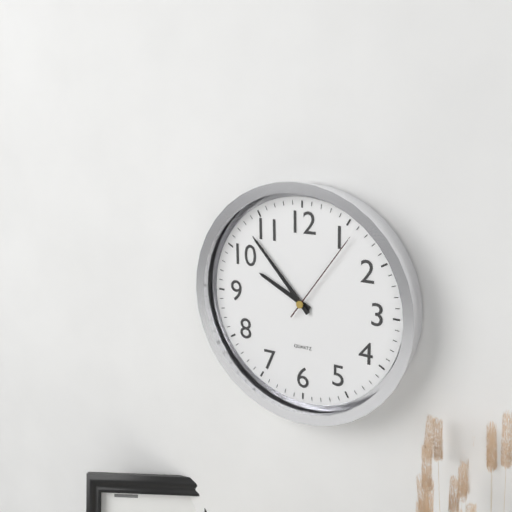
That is h=9 m=53 s=6
